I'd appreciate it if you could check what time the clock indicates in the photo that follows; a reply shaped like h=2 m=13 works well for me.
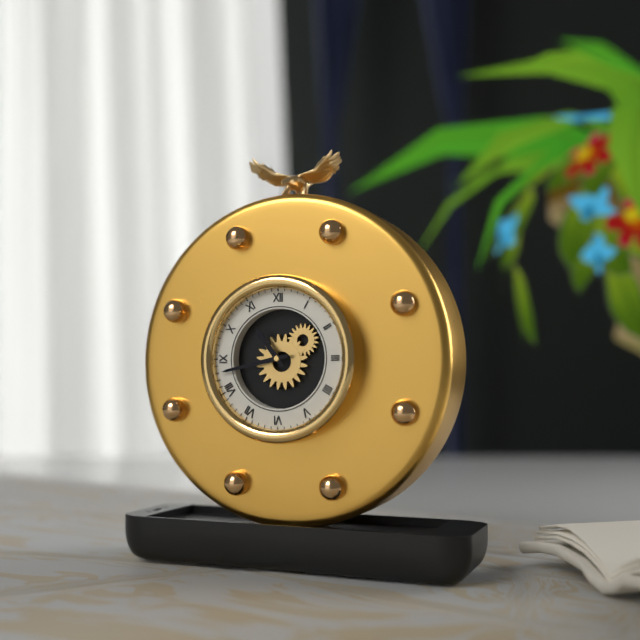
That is h=10 m=43
